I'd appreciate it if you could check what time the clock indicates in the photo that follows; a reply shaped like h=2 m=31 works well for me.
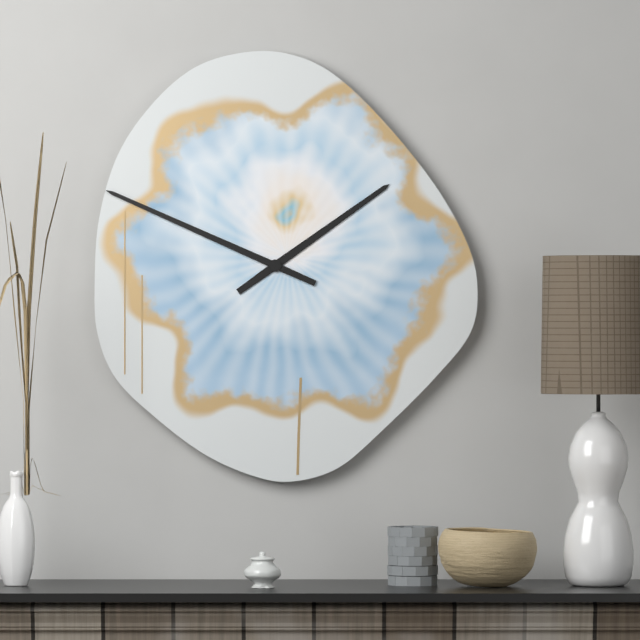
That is h=1 m=49
